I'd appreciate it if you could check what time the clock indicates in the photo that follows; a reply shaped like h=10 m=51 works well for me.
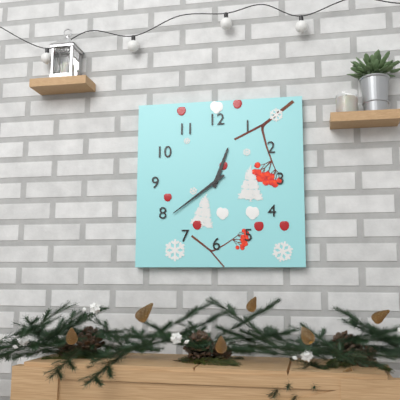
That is h=12 m=39
